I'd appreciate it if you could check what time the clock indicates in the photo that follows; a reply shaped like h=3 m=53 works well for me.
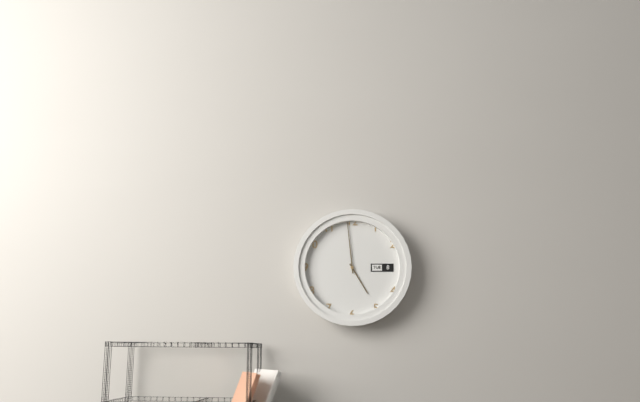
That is h=4 m=59
